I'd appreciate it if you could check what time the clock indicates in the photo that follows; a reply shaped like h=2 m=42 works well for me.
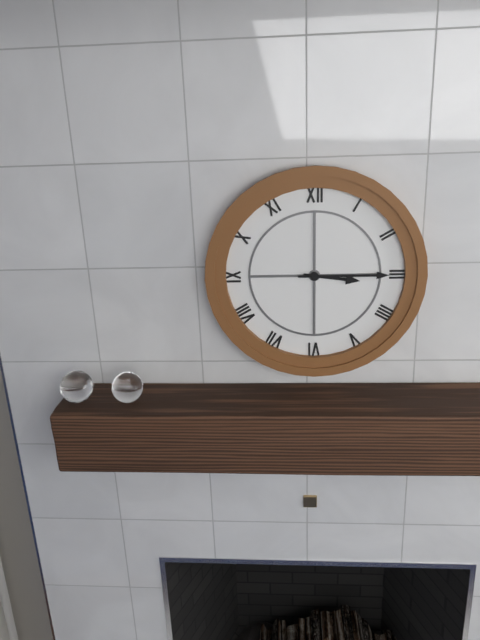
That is h=3 m=15
